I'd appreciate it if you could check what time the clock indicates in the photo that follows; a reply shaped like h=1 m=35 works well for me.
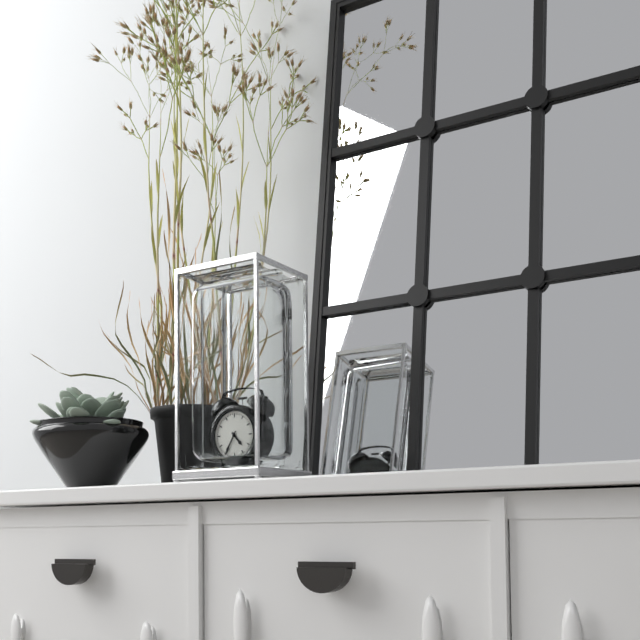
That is h=4 m=35
